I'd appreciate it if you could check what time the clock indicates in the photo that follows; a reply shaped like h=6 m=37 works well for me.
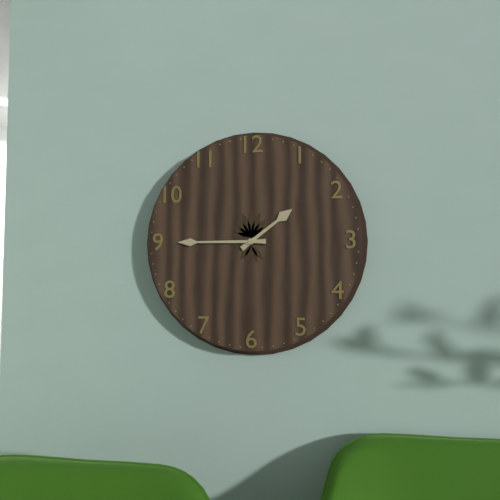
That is h=1 m=45
